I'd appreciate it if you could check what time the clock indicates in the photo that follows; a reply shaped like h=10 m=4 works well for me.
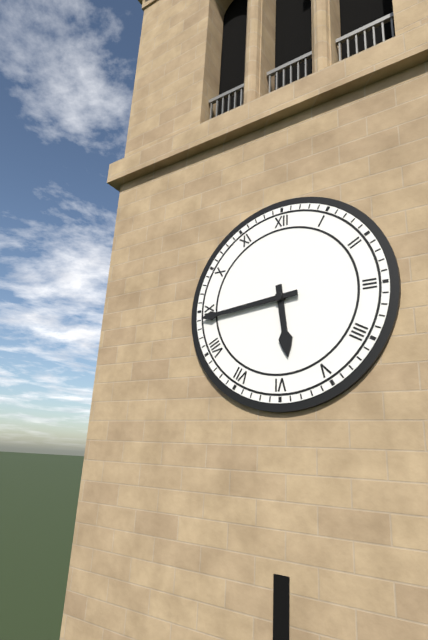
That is h=5 m=44
